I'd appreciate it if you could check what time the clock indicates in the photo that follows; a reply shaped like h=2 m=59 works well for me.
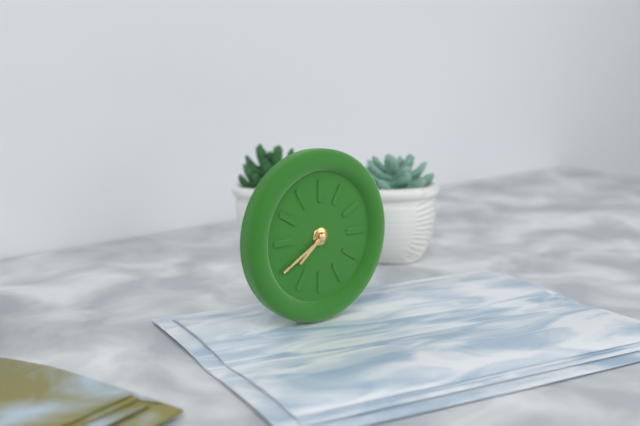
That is h=7 m=40
